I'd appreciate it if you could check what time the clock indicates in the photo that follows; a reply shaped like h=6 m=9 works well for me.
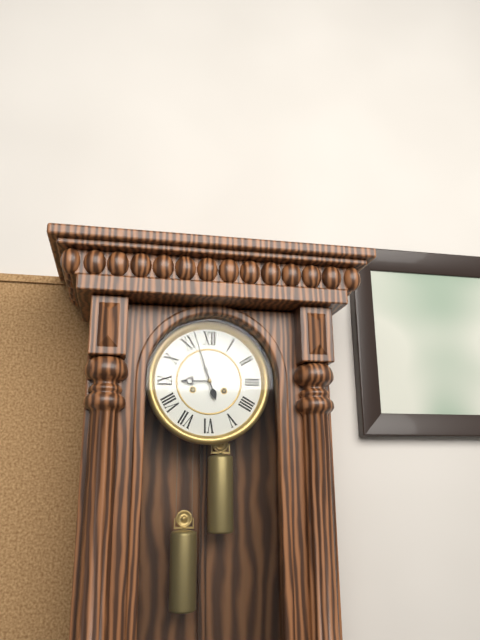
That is h=8 m=57
